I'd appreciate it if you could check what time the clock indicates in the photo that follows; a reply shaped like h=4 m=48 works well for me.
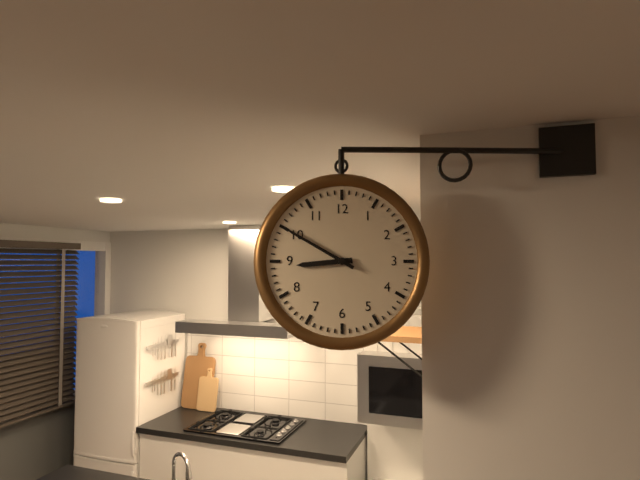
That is h=8 m=50
